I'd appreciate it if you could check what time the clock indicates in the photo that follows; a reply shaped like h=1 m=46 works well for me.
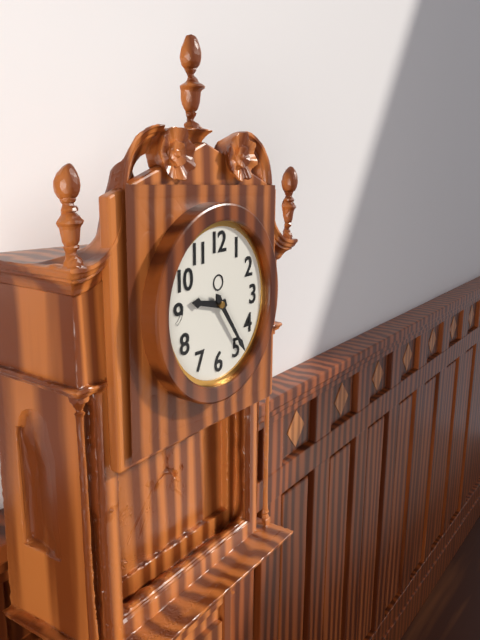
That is h=9 m=24
